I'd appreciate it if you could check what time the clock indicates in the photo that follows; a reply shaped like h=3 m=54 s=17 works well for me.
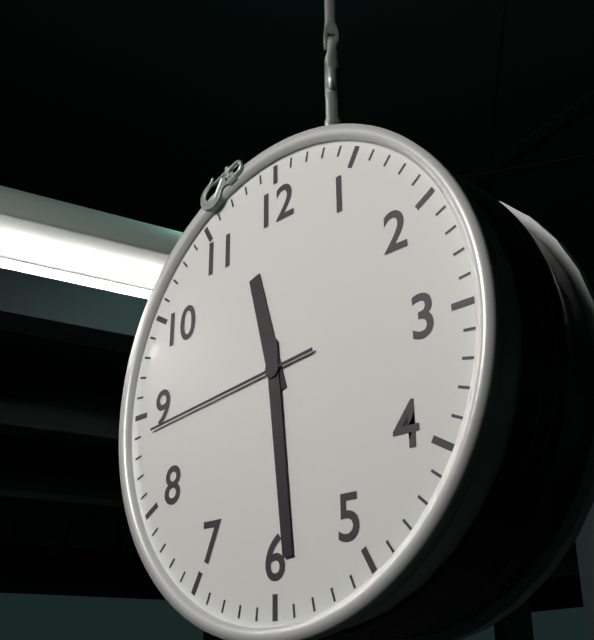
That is h=11 m=29 s=44
